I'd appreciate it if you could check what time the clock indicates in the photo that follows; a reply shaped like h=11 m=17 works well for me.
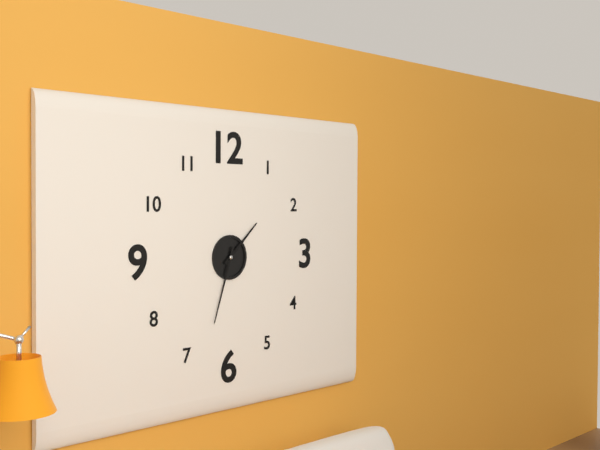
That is h=1 m=33
